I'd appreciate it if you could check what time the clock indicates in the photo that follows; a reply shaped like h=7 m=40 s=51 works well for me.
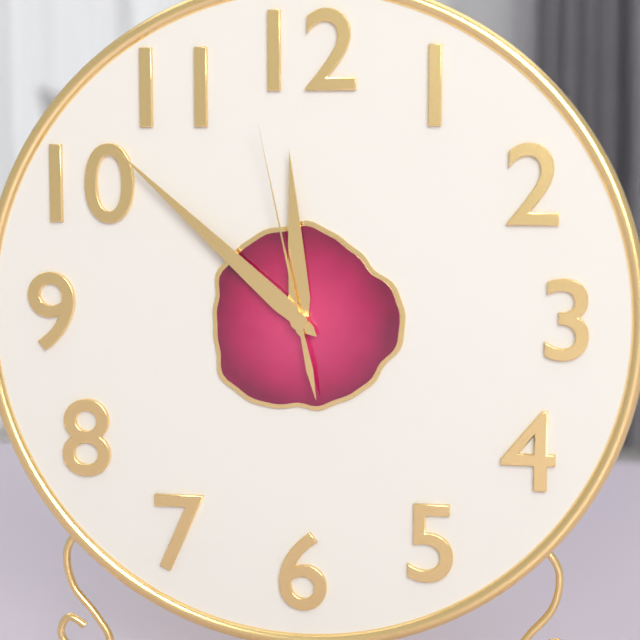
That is h=11 m=52 s=58
